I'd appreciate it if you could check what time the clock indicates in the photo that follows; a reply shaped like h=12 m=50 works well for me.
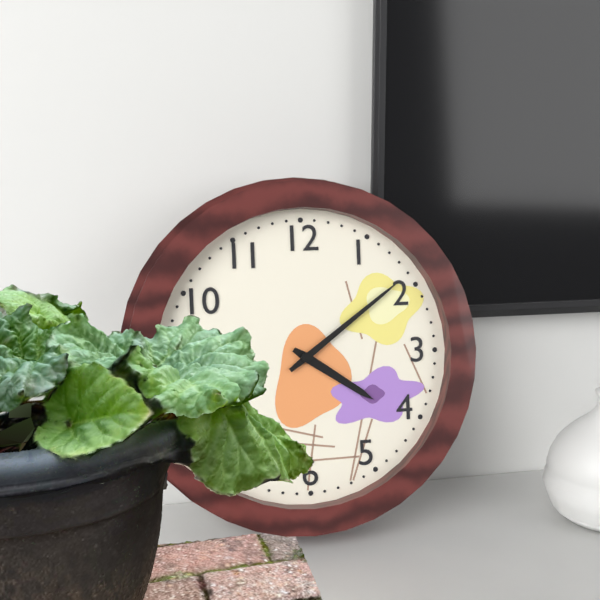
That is h=4 m=9
